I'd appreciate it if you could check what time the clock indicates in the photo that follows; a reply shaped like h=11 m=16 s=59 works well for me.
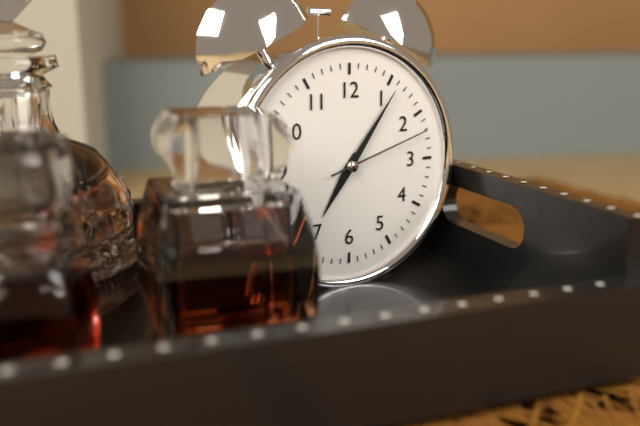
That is h=7 m=6 s=12
